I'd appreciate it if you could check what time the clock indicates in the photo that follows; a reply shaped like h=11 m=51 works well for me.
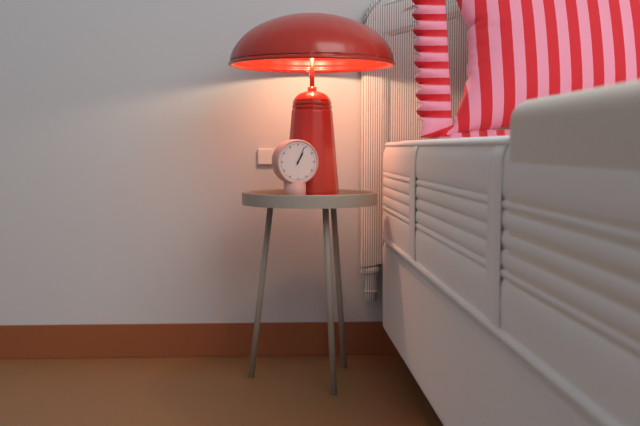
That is h=1 m=4
